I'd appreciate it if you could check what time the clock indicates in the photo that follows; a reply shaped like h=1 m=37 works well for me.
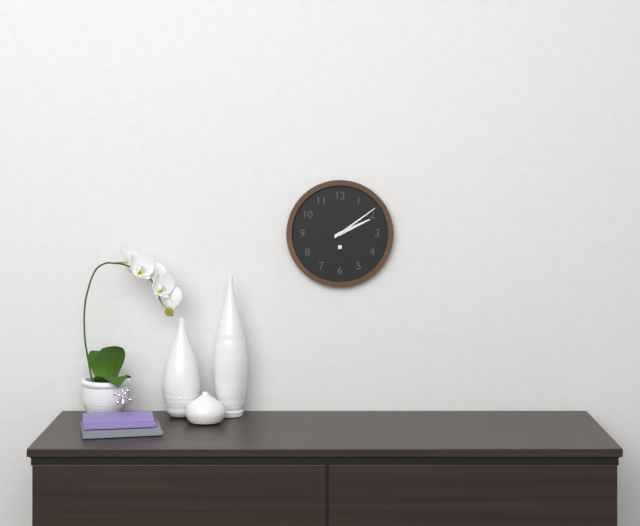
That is h=2 m=9
